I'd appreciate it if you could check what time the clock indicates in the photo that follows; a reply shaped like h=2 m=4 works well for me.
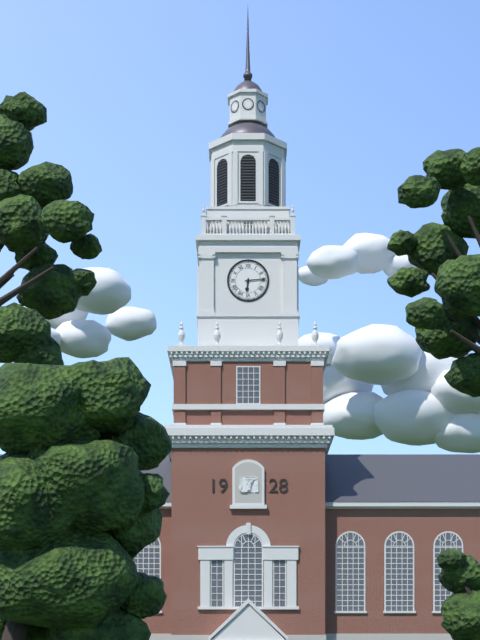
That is h=6 m=14
